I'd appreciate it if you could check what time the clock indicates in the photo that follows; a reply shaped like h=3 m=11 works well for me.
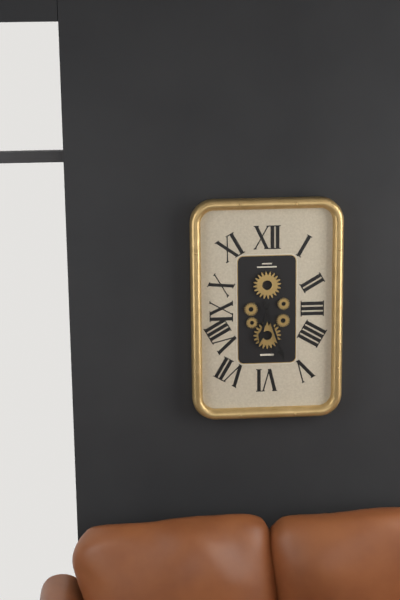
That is h=6 m=27
